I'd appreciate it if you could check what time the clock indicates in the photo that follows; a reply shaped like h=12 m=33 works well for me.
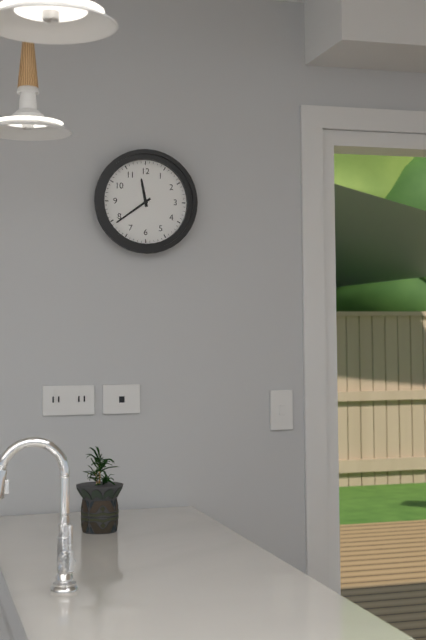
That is h=11 m=39
